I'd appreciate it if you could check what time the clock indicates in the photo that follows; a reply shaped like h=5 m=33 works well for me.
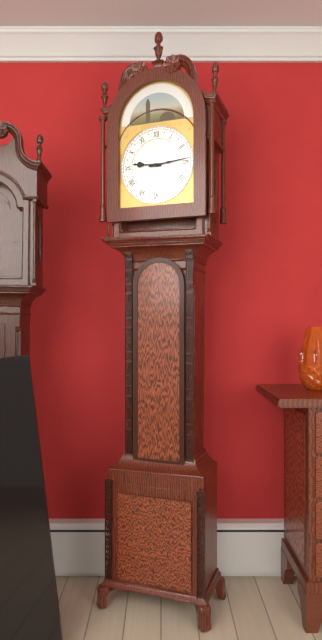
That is h=9 m=14
